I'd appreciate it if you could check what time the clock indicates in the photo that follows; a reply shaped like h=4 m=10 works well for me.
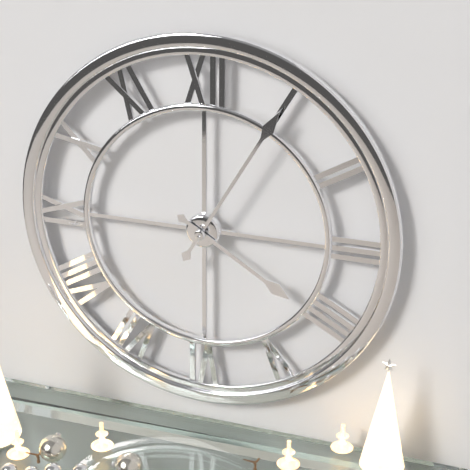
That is h=4 m=5
